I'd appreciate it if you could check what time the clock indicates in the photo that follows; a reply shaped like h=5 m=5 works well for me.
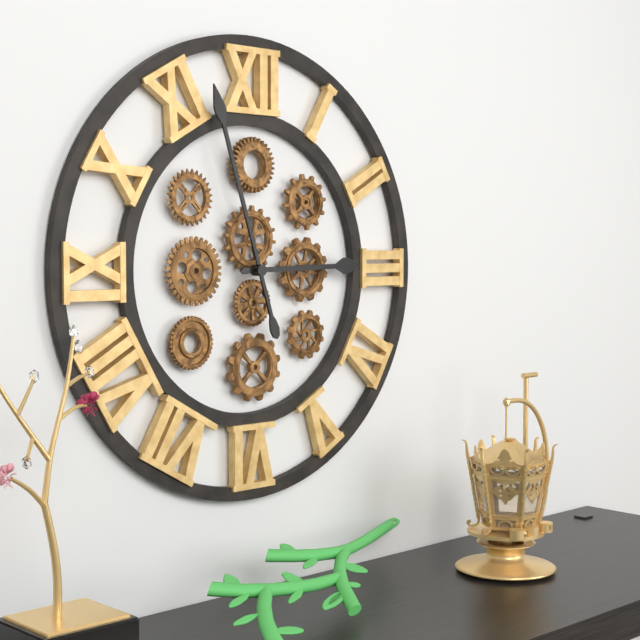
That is h=2 m=57
